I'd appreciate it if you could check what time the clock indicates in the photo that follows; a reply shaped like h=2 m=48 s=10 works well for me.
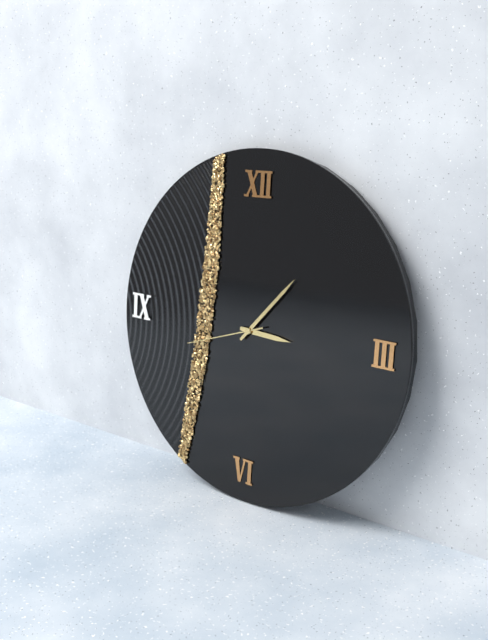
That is h=3 m=7 s=42
